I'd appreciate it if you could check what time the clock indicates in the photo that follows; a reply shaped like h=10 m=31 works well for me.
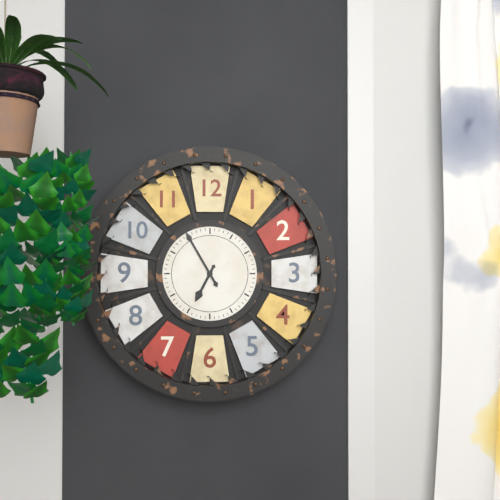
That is h=6 m=55
